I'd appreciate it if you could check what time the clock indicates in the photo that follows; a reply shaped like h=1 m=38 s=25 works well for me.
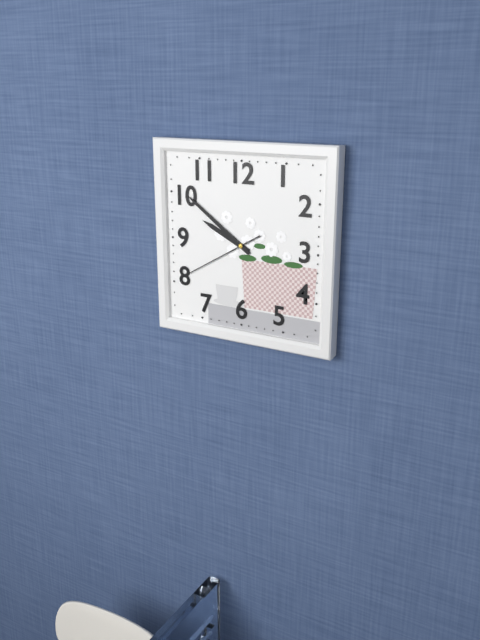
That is h=9 m=51 s=40
